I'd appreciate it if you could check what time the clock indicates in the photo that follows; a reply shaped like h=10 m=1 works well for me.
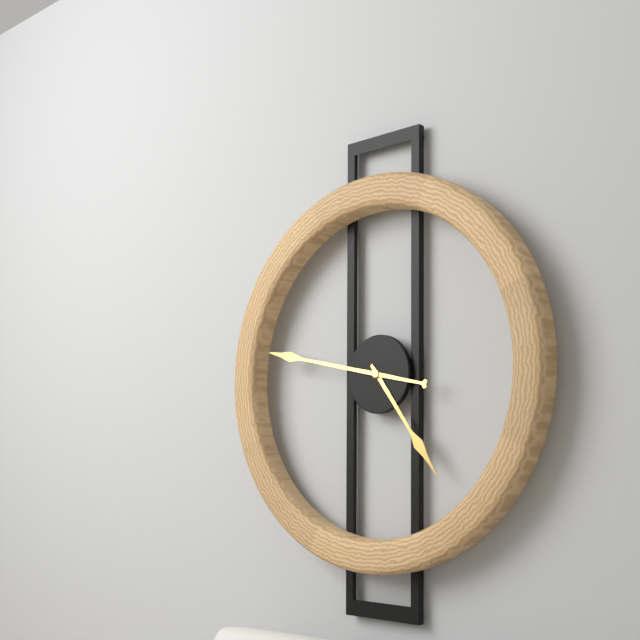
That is h=4 m=47
